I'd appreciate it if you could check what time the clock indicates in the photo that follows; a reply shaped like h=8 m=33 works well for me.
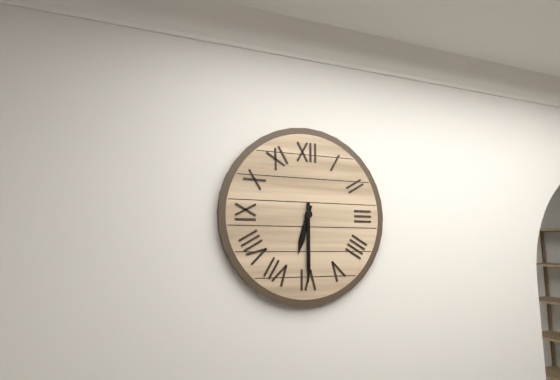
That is h=6 m=30
